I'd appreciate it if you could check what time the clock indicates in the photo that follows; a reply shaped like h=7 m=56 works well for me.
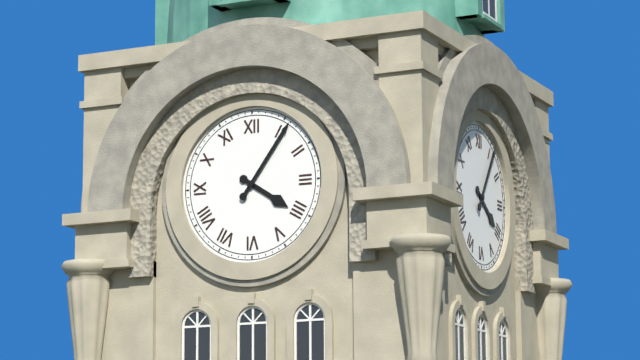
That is h=4 m=6
